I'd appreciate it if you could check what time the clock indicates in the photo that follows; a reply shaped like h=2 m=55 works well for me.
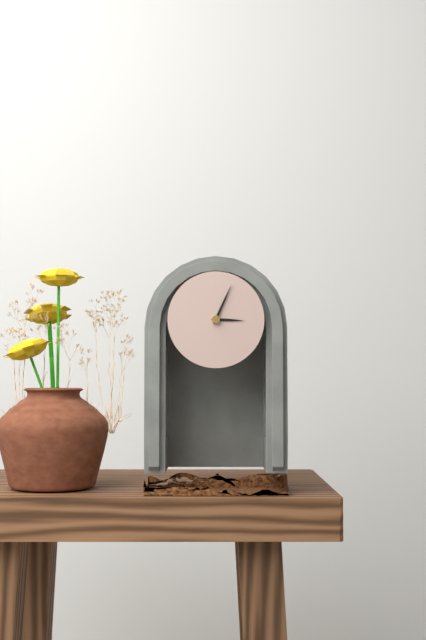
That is h=3 m=4
